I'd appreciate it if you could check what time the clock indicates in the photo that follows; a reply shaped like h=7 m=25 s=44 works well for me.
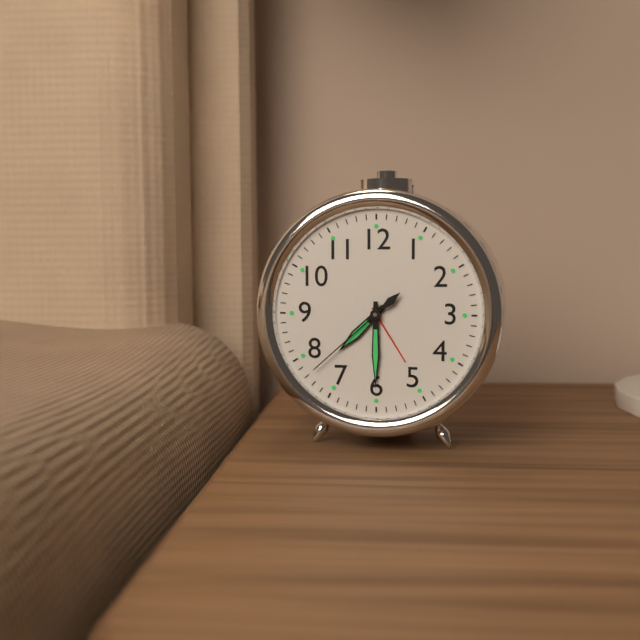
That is h=7 m=30 s=38
